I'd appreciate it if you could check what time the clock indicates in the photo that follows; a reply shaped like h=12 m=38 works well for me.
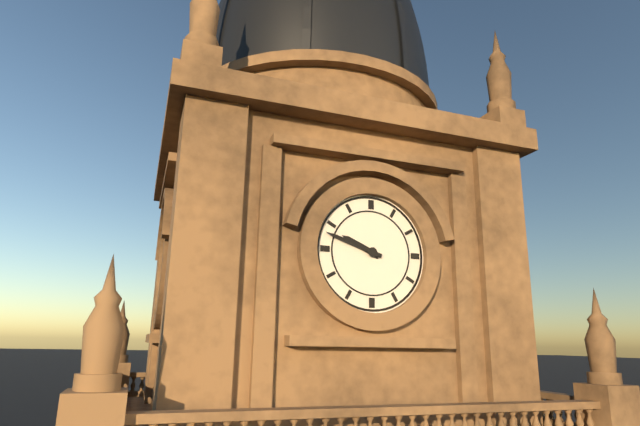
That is h=9 m=48
